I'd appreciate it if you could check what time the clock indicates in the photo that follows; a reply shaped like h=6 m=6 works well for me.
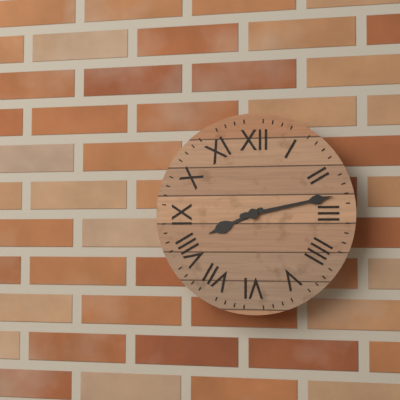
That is h=8 m=13
